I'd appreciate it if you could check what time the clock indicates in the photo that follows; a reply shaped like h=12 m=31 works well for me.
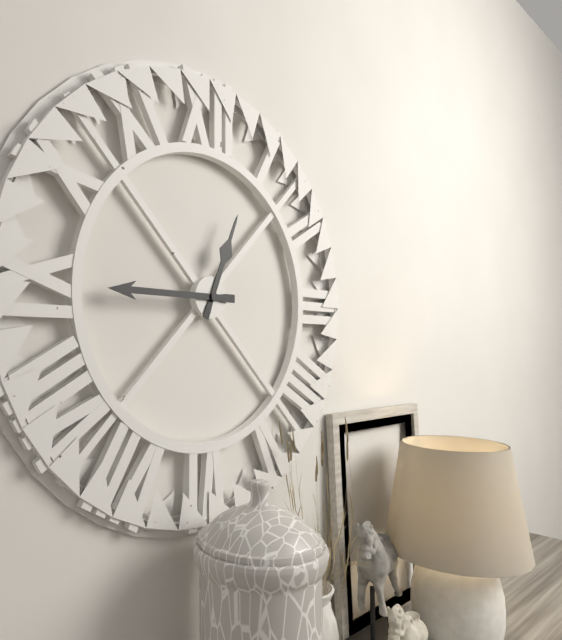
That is h=12 m=45
